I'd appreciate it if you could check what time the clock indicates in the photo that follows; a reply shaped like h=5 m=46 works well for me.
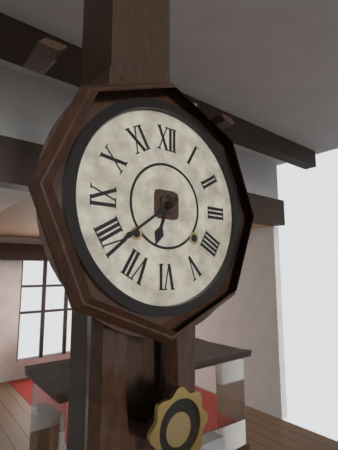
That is h=6 m=39
